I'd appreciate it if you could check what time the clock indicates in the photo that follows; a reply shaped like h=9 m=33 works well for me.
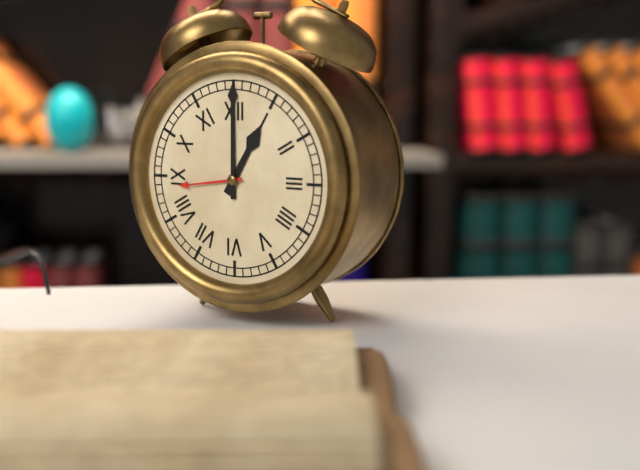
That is h=1 m=0
